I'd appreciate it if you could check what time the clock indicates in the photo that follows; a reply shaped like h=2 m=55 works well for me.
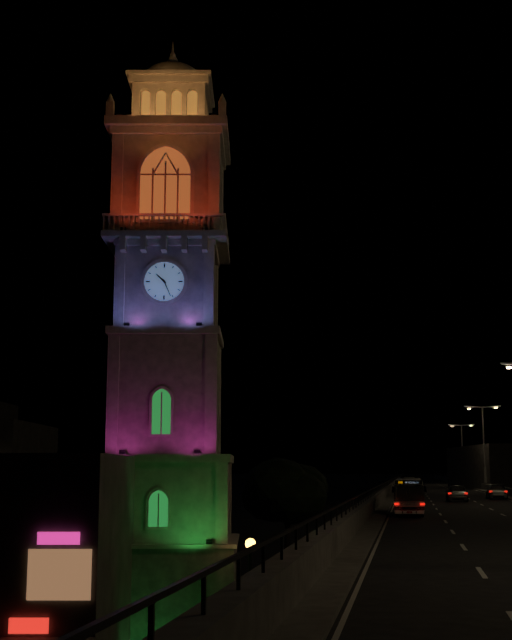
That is h=10 m=26
